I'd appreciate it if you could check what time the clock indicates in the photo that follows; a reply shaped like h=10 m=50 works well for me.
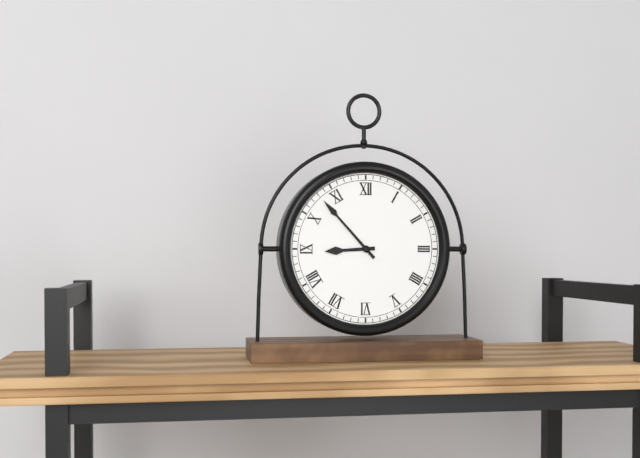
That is h=8 m=53
